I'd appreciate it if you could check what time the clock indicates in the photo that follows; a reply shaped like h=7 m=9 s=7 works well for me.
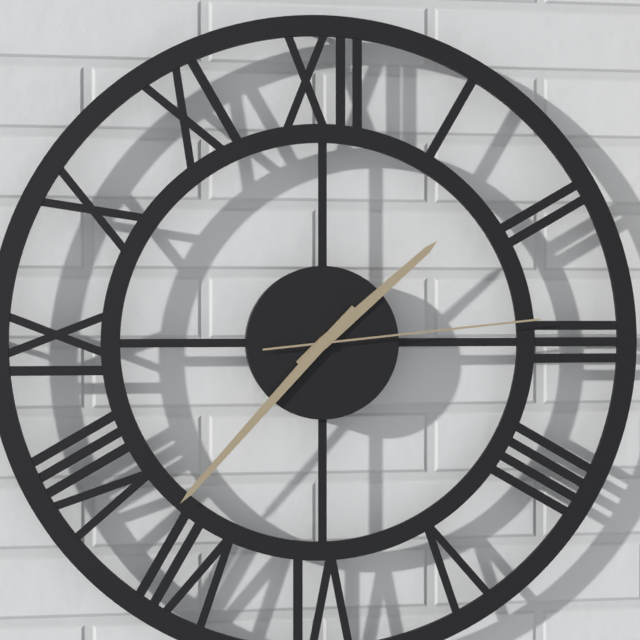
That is h=1 m=37 s=14
